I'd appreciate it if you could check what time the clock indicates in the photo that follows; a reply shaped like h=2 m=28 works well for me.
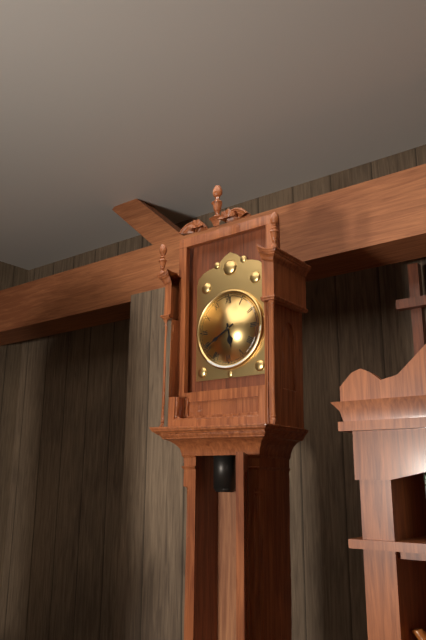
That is h=5 m=40
